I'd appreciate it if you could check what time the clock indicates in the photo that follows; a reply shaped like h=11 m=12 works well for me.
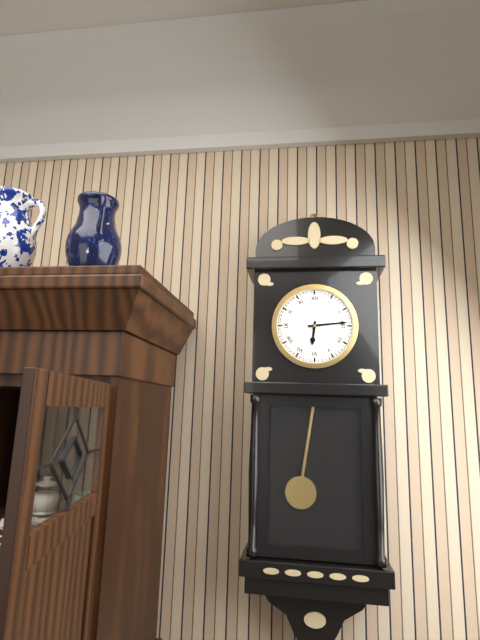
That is h=6 m=14
